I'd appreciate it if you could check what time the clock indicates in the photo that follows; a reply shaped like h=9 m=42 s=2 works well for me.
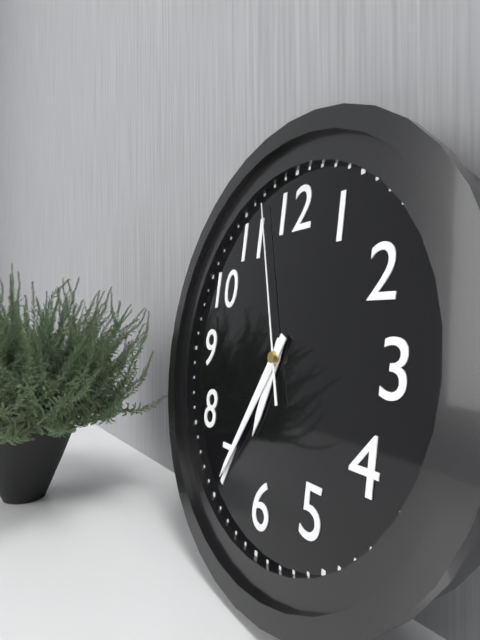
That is h=6 m=35 s=57
